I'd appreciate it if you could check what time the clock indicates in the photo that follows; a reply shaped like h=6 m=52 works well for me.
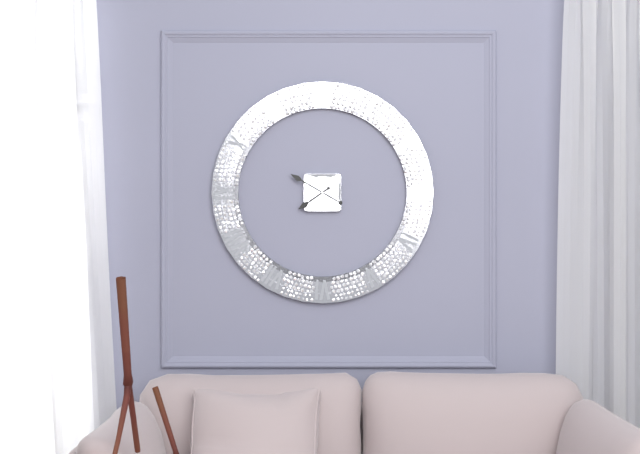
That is h=7 m=50
